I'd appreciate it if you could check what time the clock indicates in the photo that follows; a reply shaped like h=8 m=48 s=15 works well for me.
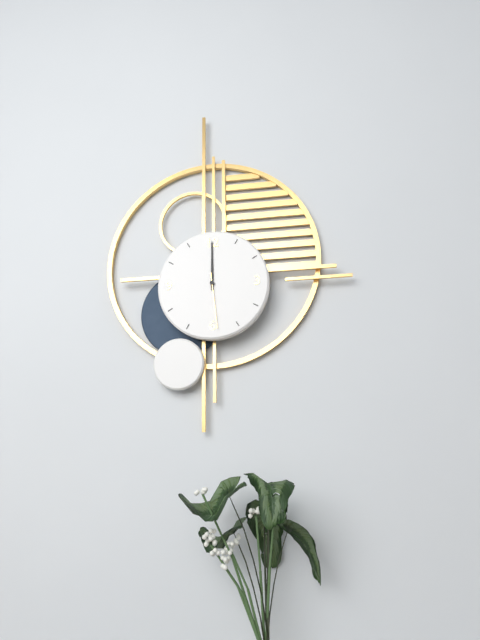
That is h=12 m=0 s=29
